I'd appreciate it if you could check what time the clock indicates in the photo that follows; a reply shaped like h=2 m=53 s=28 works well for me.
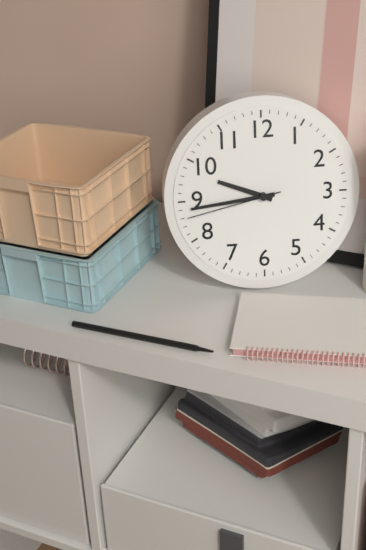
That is h=9 m=44 s=43
